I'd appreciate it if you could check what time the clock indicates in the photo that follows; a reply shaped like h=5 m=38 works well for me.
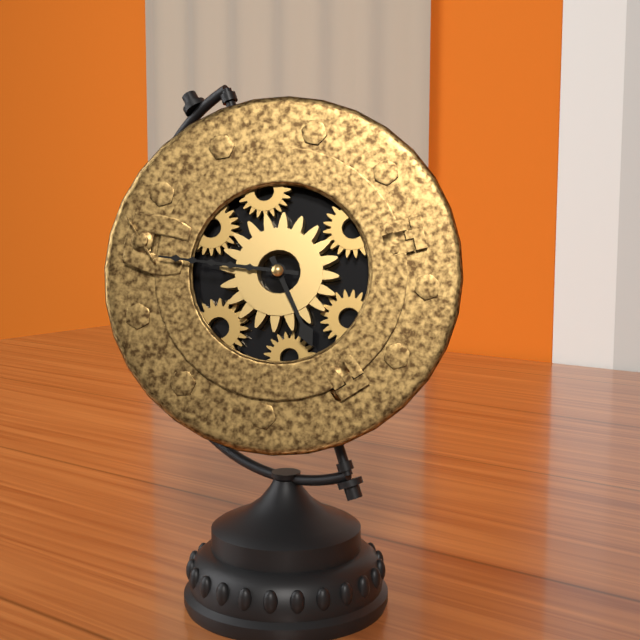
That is h=4 m=44
